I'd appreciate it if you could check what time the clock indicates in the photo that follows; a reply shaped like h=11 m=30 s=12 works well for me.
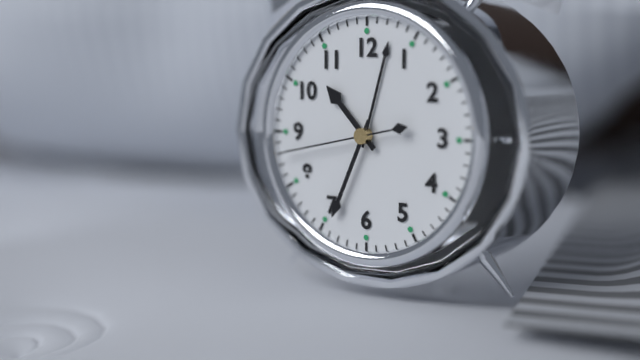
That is h=10 m=34 s=43
